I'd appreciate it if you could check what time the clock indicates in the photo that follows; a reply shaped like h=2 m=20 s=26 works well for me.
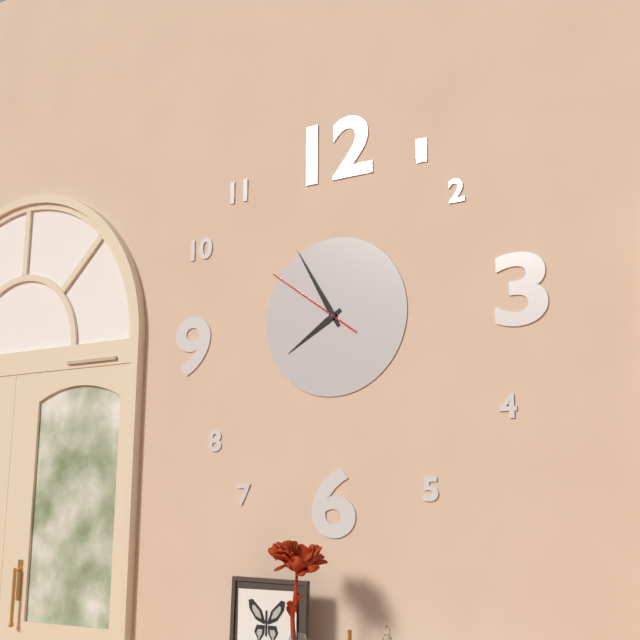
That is h=7 m=55 s=51
